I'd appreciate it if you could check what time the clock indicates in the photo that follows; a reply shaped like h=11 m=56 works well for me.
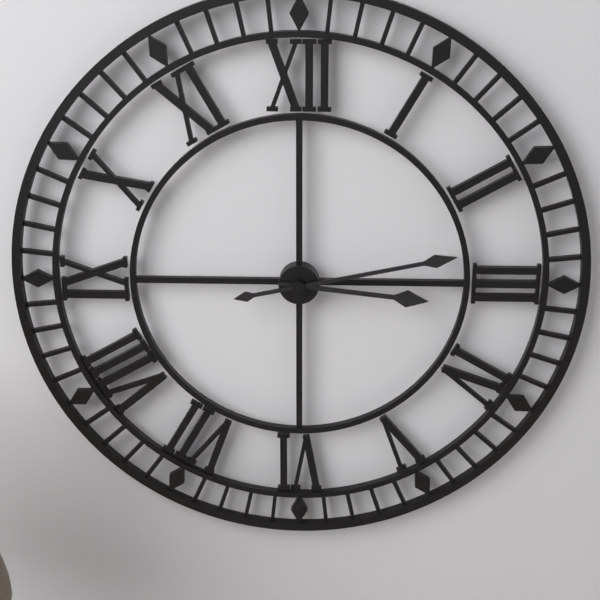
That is h=3 m=13
